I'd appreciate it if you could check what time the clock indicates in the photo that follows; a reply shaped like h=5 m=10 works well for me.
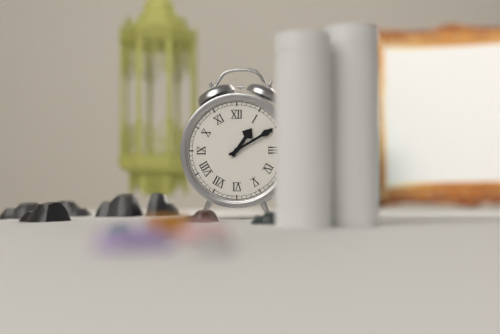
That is h=1 m=10
